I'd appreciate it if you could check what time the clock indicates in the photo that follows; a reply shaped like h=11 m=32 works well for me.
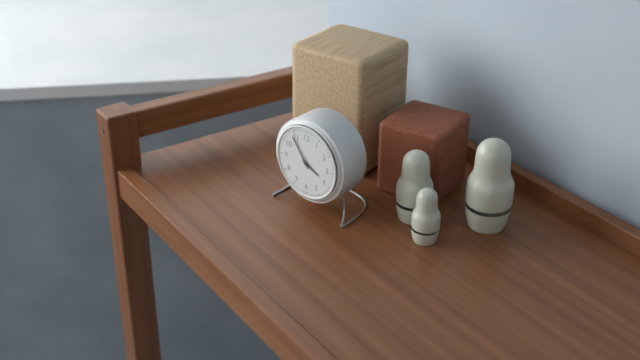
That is h=3 m=54
